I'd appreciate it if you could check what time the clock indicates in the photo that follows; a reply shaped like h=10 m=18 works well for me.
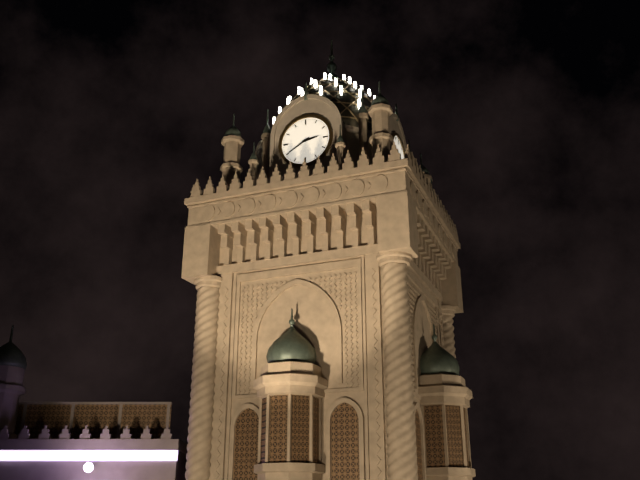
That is h=2 m=40
